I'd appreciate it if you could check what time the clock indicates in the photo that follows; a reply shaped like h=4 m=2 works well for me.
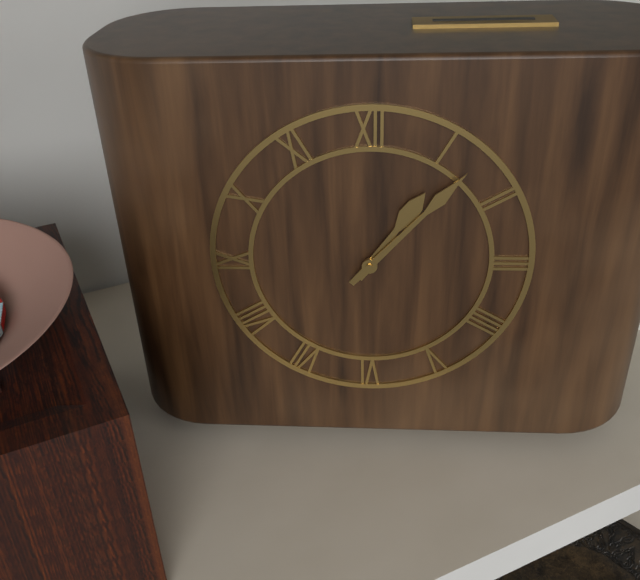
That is h=1 m=7
